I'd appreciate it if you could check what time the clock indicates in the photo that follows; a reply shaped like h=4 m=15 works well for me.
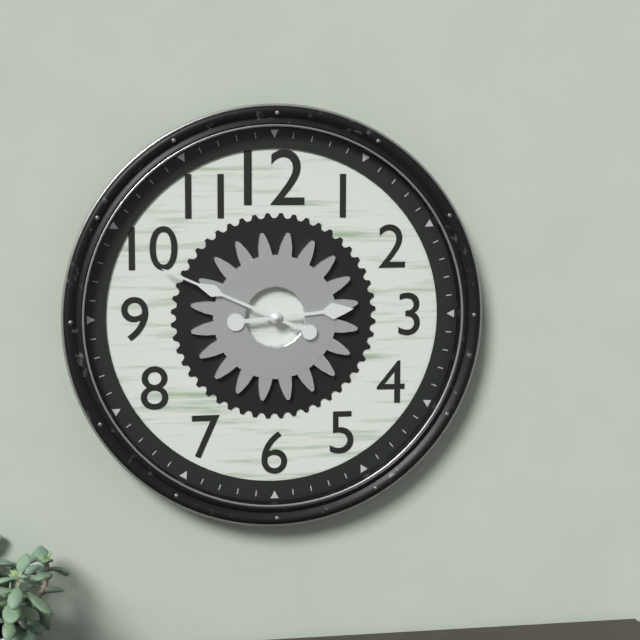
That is h=2 m=49
